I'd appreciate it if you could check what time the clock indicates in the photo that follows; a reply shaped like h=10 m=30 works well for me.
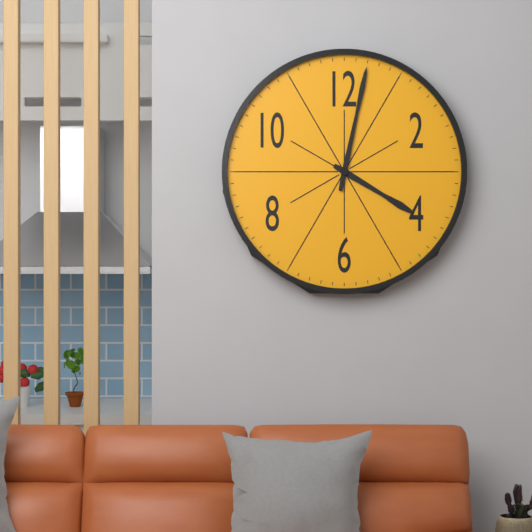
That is h=4 m=2
